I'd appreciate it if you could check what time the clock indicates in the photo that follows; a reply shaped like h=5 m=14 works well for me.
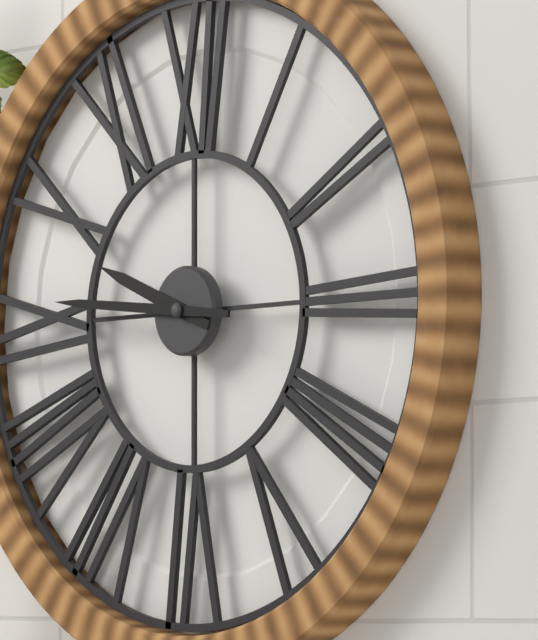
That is h=9 m=46
